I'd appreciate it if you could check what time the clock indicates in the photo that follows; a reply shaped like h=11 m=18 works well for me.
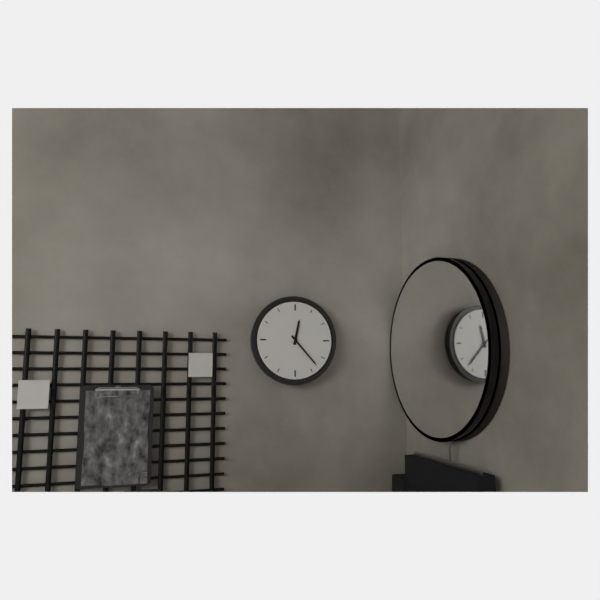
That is h=12 m=23
